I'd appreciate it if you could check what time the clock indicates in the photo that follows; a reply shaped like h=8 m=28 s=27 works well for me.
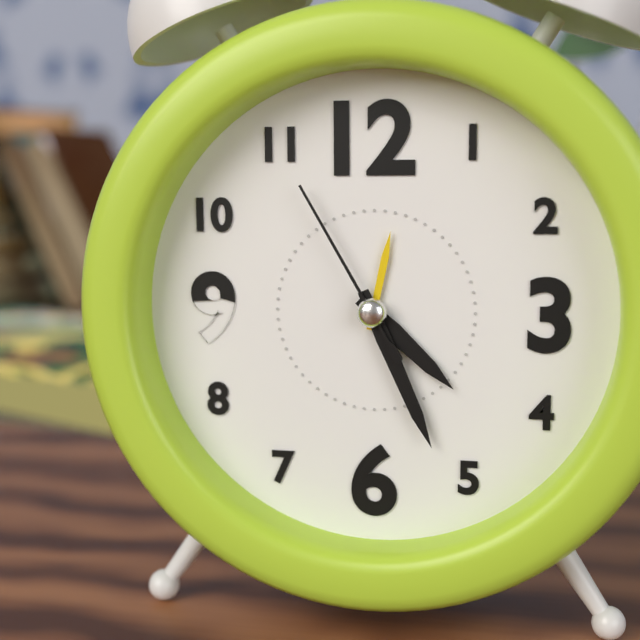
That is h=4 m=26 s=55
